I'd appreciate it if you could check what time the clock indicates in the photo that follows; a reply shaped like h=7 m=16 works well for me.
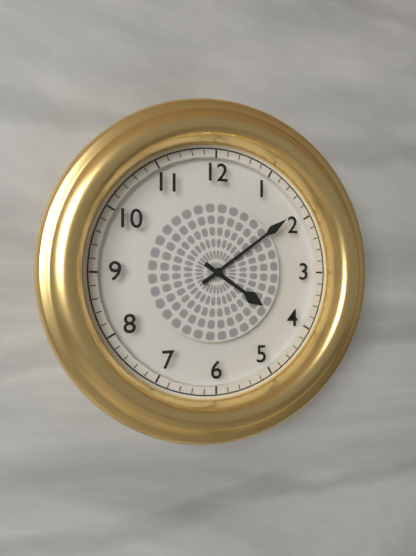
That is h=4 m=9
